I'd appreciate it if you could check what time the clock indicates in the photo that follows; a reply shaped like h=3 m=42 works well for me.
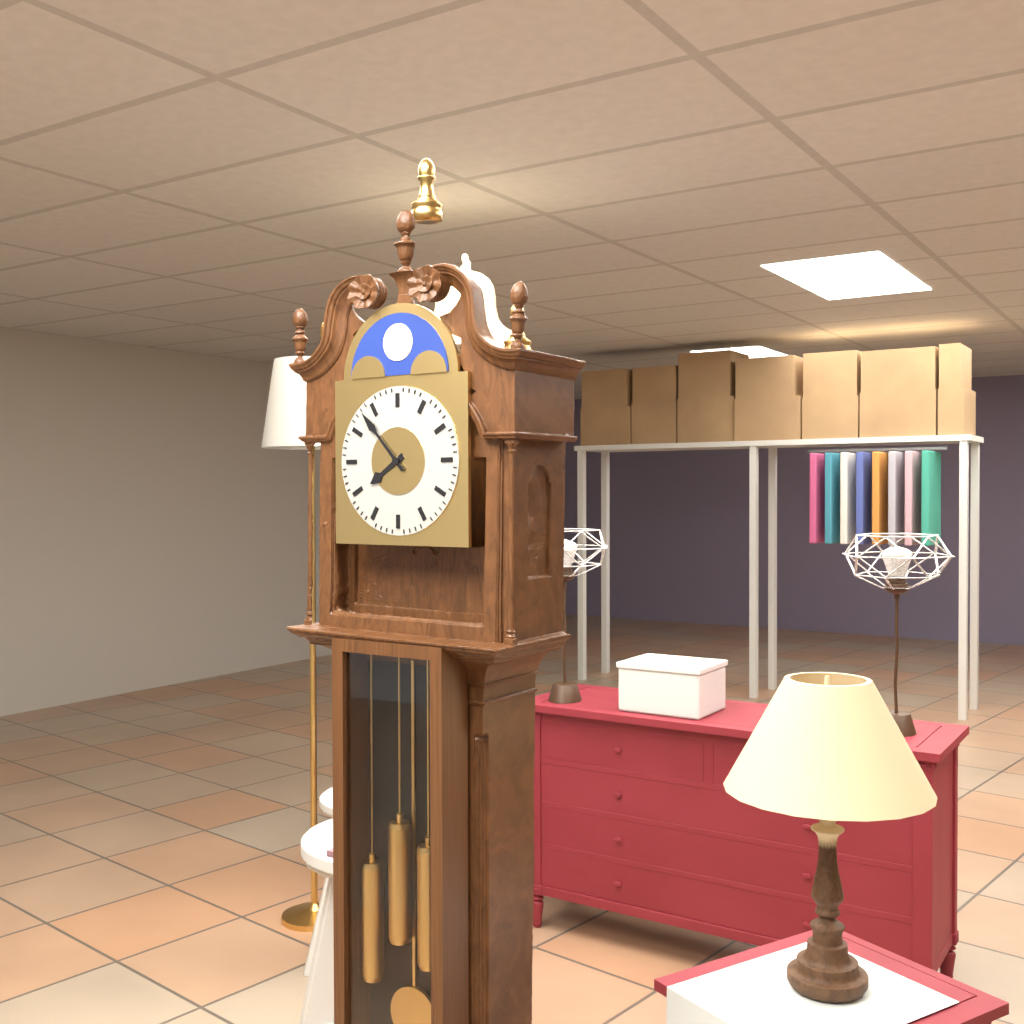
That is h=7 m=53
